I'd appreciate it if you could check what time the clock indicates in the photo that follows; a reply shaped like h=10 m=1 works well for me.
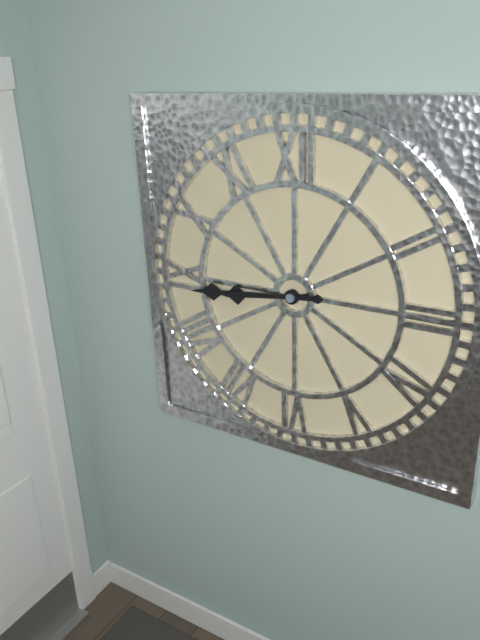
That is h=8 m=44
